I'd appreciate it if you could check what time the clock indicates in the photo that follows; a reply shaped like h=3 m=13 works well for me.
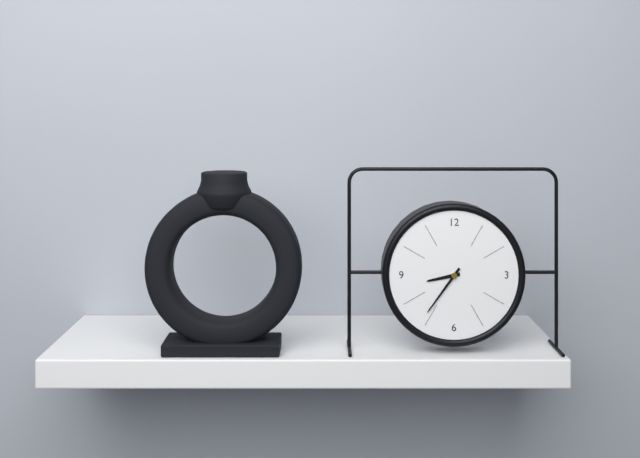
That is h=8 m=36
